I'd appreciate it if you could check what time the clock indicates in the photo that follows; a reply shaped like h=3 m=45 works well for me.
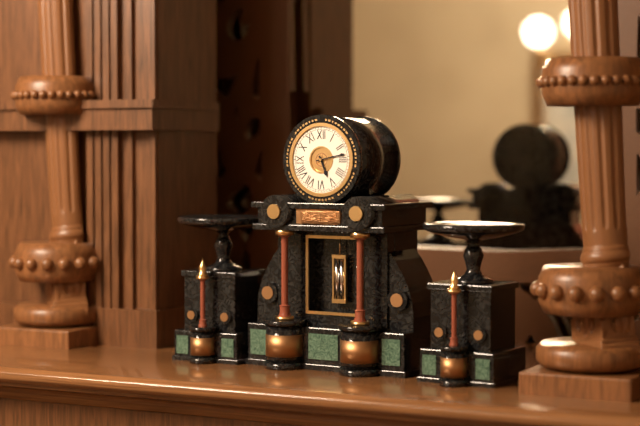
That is h=5 m=13
